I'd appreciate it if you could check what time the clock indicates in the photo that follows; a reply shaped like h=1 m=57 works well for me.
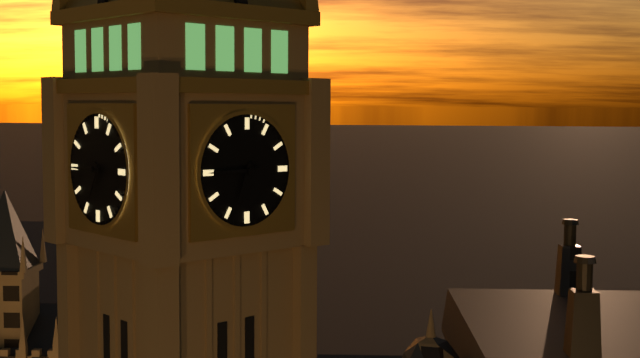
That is h=6 m=45
